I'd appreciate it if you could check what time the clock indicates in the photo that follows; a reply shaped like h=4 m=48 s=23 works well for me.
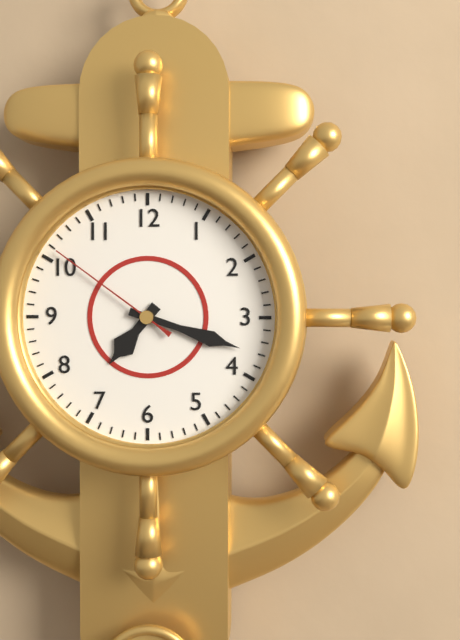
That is h=7 m=18 s=51
